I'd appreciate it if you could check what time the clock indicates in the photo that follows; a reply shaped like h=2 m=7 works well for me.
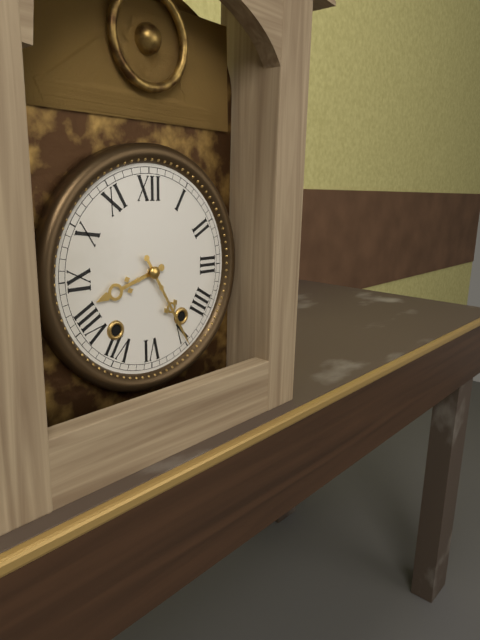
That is h=8 m=25
